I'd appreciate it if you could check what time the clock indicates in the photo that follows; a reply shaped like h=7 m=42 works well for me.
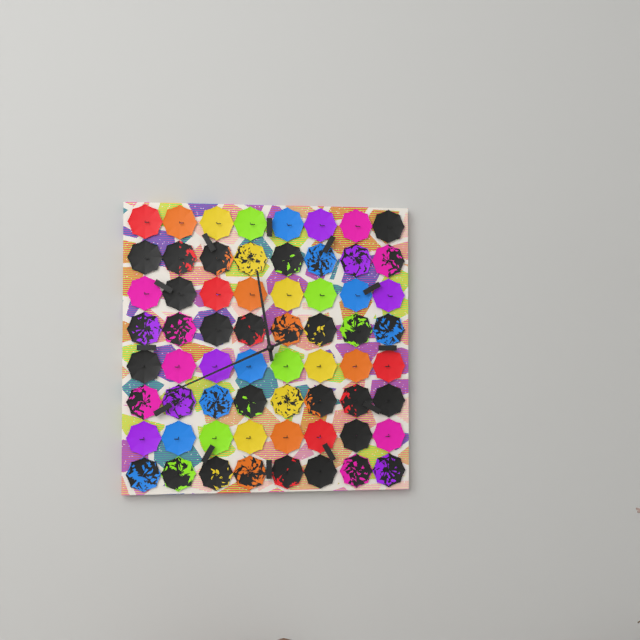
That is h=11 m=41
